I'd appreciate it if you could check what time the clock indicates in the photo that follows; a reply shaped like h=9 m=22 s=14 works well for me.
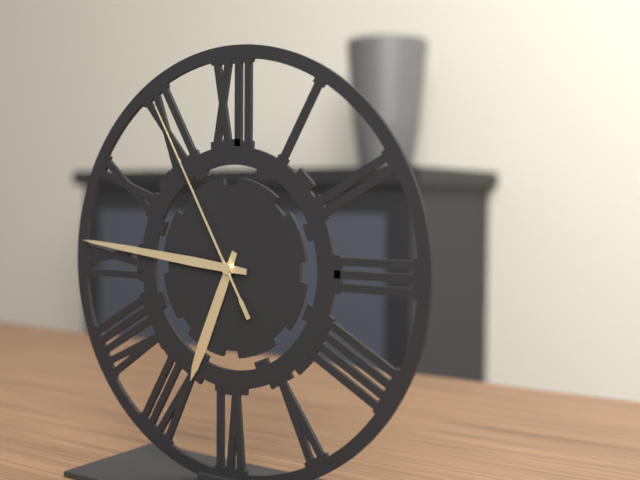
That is h=6 m=46 s=55
